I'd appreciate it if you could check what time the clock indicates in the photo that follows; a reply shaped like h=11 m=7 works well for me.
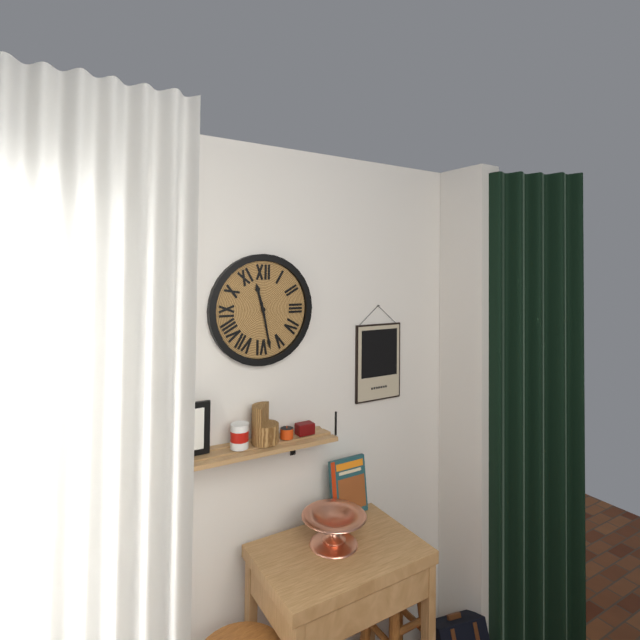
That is h=11 m=28
